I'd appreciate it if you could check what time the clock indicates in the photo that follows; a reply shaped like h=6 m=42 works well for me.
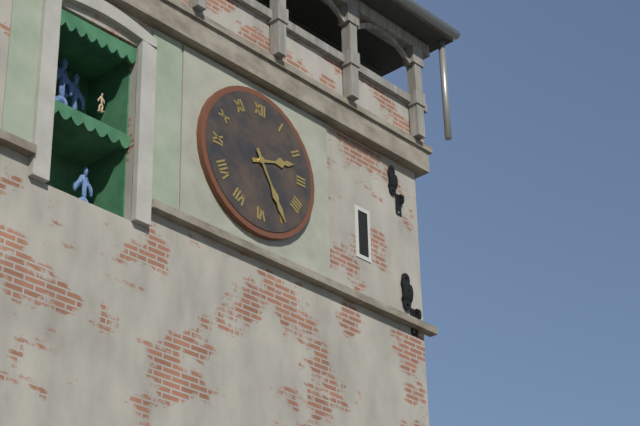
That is h=2 m=25
